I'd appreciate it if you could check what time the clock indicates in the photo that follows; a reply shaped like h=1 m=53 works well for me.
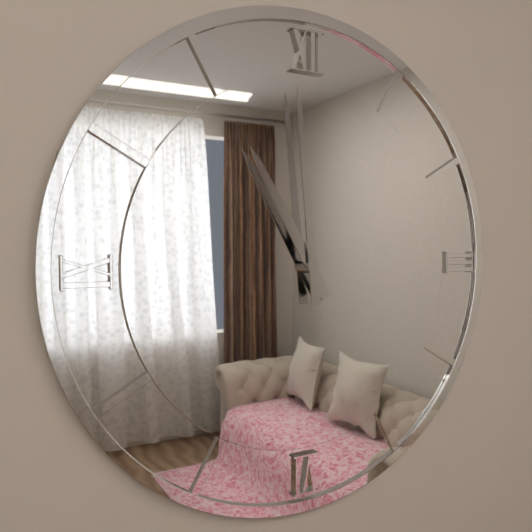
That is h=10 m=59
